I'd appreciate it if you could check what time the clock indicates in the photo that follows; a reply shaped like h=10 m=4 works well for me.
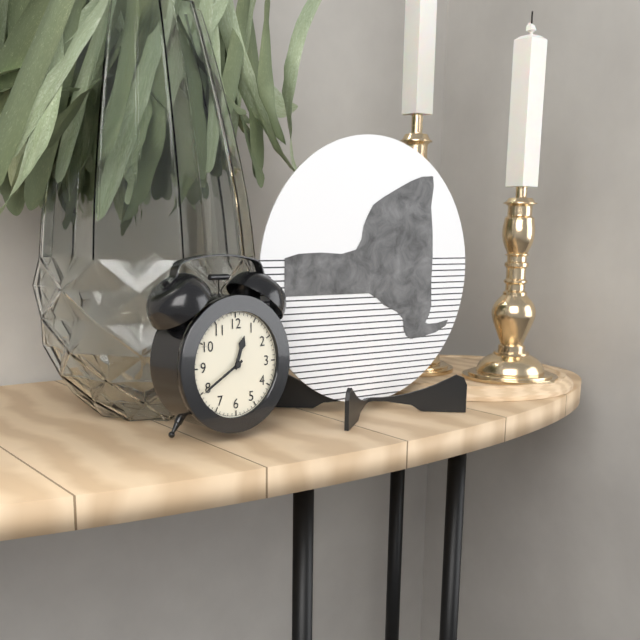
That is h=12 m=40
